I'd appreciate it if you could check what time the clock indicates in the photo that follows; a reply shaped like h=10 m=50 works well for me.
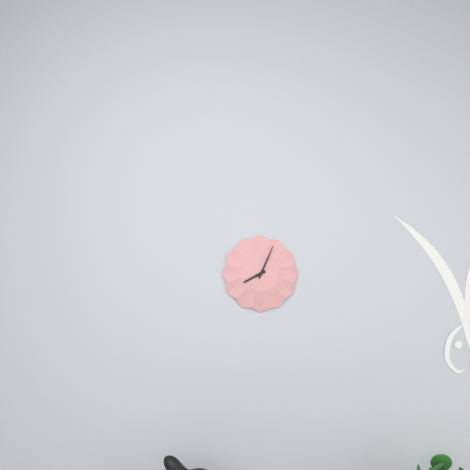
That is h=8 m=4
